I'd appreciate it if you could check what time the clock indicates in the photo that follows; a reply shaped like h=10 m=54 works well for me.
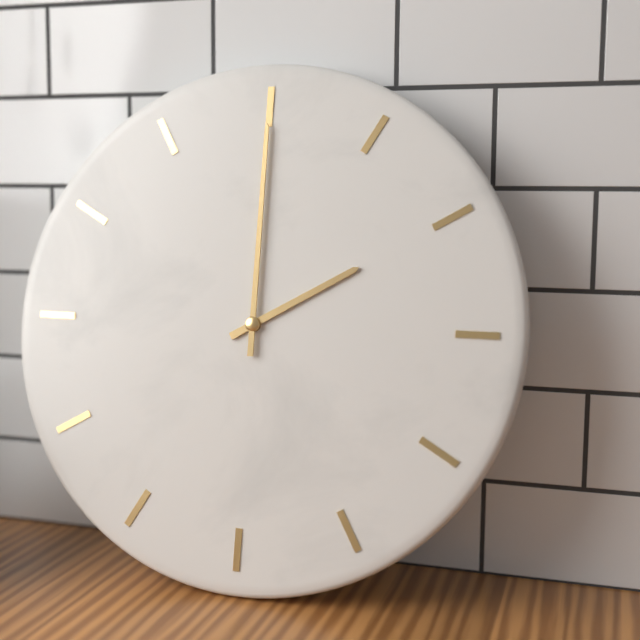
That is h=2 m=0
